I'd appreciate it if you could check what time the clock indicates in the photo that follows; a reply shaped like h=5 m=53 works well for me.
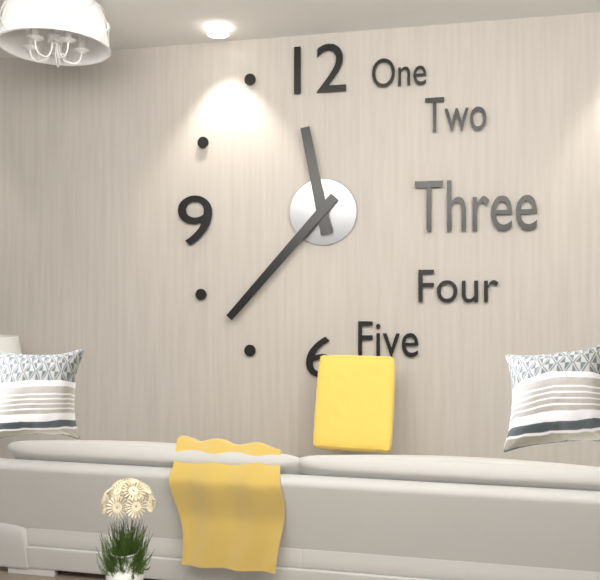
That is h=11 m=37
